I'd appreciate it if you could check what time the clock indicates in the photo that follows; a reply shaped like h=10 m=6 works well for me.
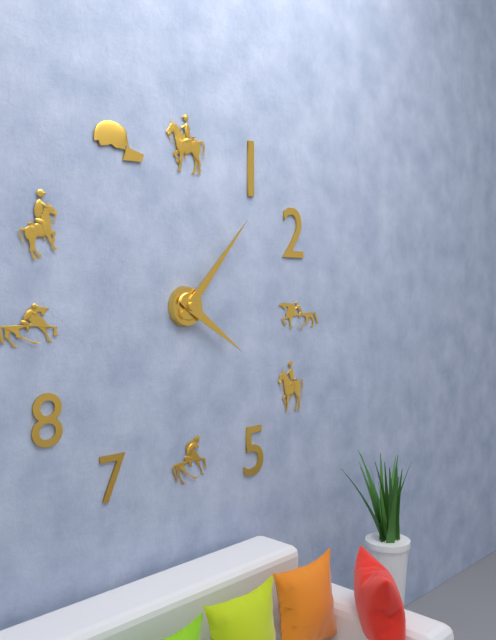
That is h=4 m=7
